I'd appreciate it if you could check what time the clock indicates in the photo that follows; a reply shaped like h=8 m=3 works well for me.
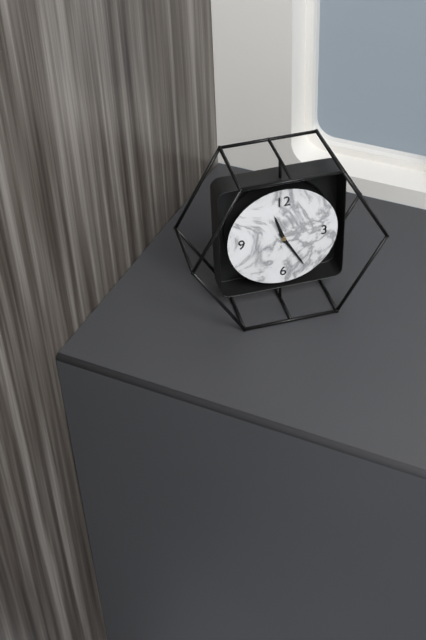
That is h=11 m=25
